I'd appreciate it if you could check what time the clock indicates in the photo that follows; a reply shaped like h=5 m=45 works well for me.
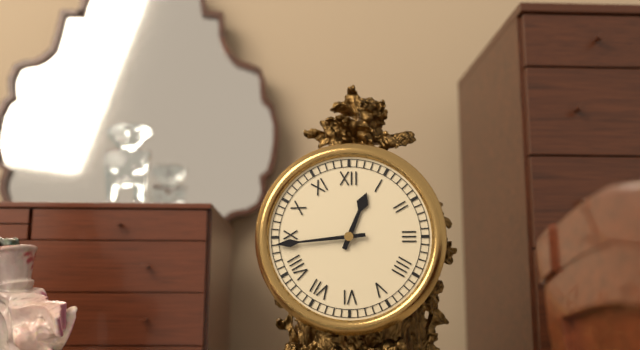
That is h=12 m=44
